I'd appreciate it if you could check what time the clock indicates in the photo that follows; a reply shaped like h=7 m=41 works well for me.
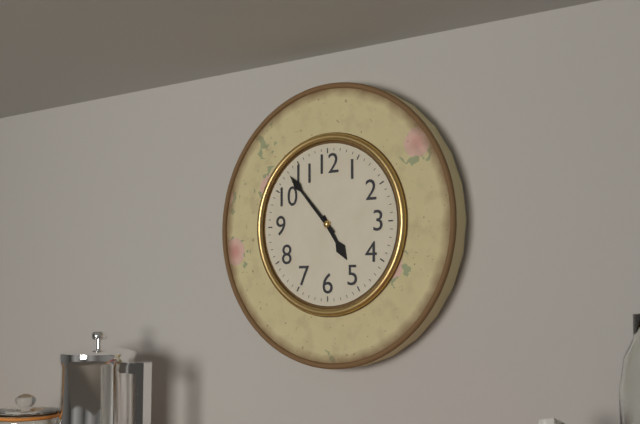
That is h=4 m=53
